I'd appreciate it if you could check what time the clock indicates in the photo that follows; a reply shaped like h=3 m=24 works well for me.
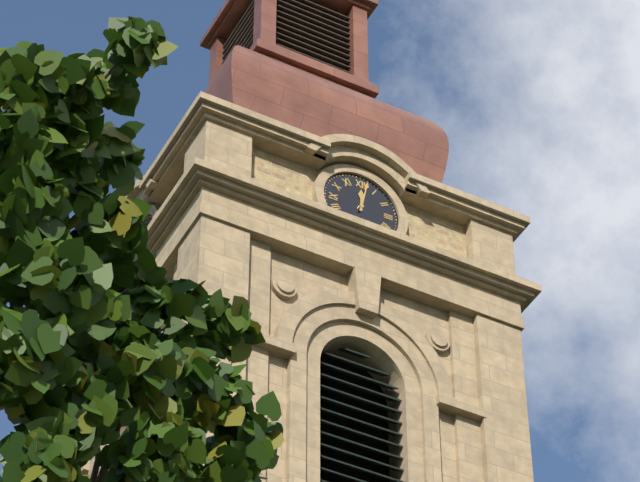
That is h=12 m=2
